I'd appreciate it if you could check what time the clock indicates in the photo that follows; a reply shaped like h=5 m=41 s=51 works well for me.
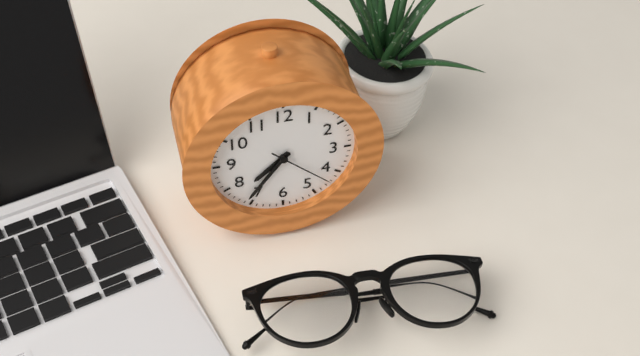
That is h=7 m=36 s=22
